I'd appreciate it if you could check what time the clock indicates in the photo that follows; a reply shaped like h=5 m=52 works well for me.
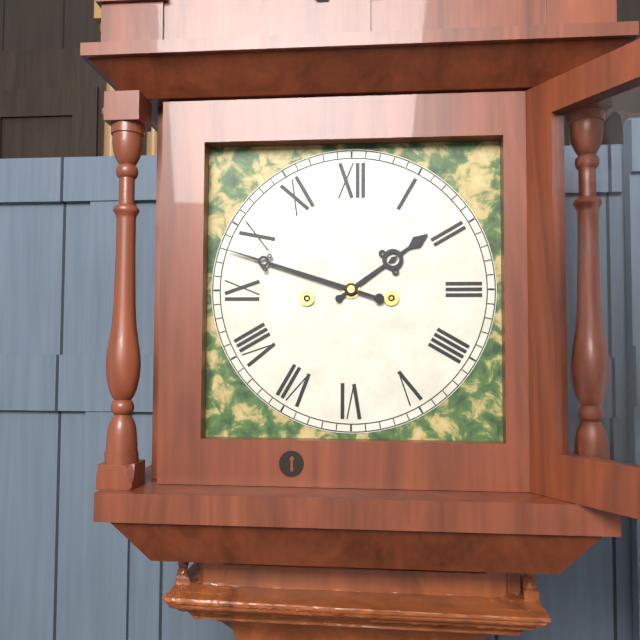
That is h=1 m=48
